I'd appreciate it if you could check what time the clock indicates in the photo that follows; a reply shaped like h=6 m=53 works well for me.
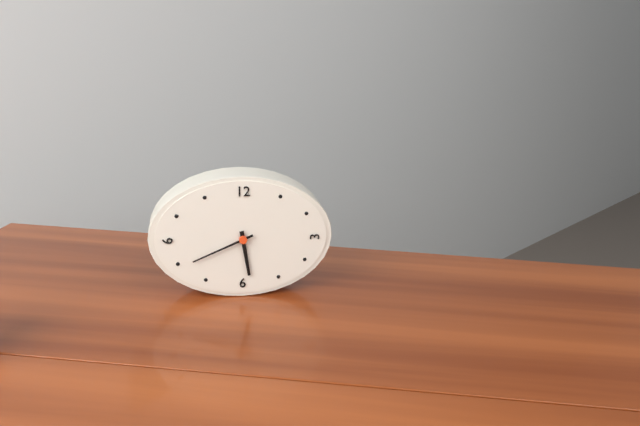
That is h=5 m=41
